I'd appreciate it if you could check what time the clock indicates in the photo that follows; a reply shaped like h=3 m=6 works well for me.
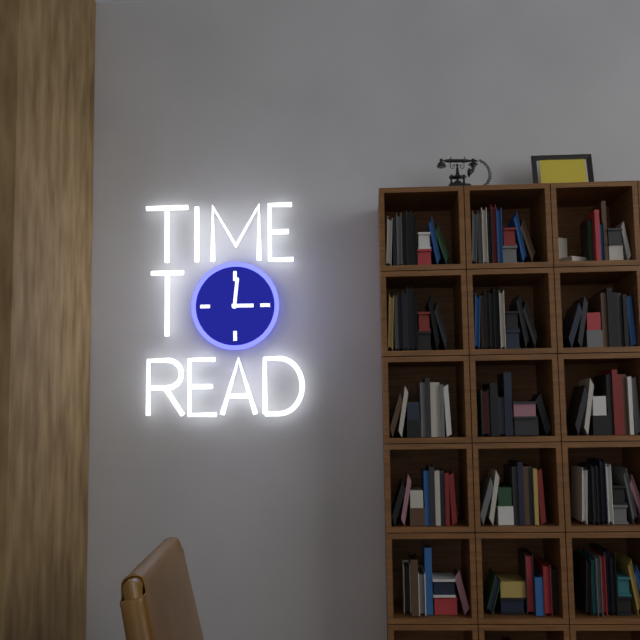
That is h=3 m=1
